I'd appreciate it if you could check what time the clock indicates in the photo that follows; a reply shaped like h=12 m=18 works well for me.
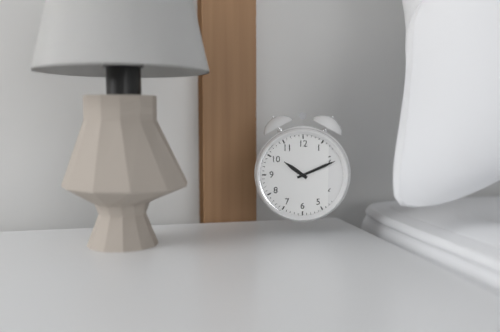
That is h=10 m=11
